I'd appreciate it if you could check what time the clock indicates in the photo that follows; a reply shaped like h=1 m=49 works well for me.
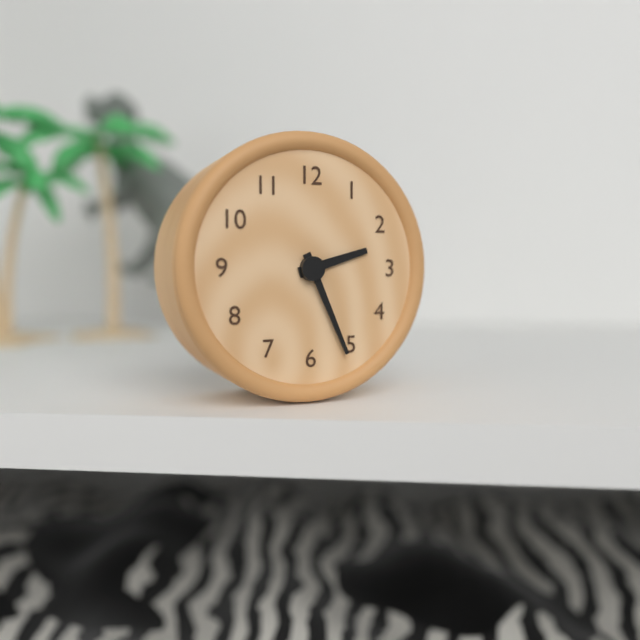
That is h=2 m=26
